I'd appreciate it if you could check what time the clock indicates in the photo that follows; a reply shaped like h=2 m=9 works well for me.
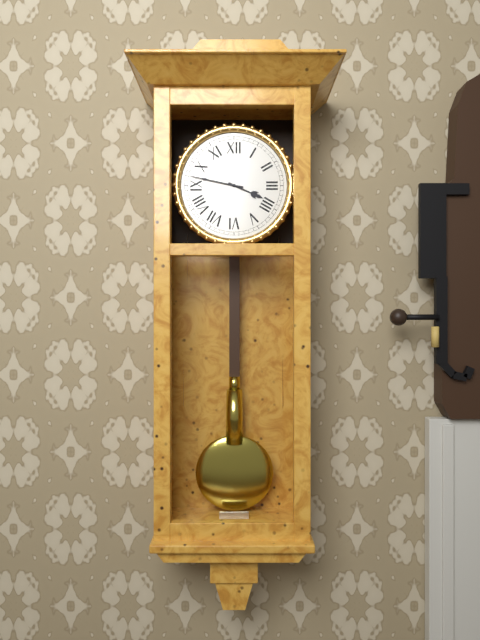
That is h=3 m=47
